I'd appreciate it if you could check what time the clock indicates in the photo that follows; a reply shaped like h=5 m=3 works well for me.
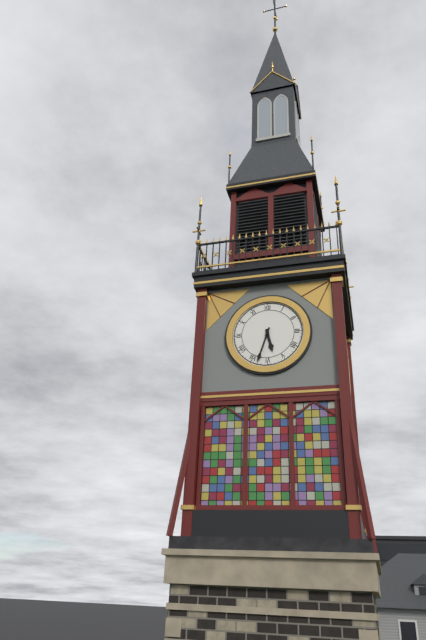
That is h=5 m=33
